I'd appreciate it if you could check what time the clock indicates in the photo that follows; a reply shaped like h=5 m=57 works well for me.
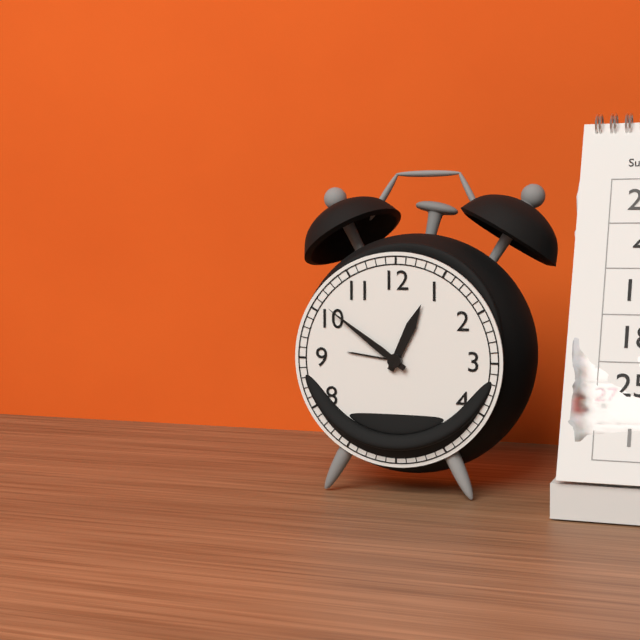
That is h=12 m=51
